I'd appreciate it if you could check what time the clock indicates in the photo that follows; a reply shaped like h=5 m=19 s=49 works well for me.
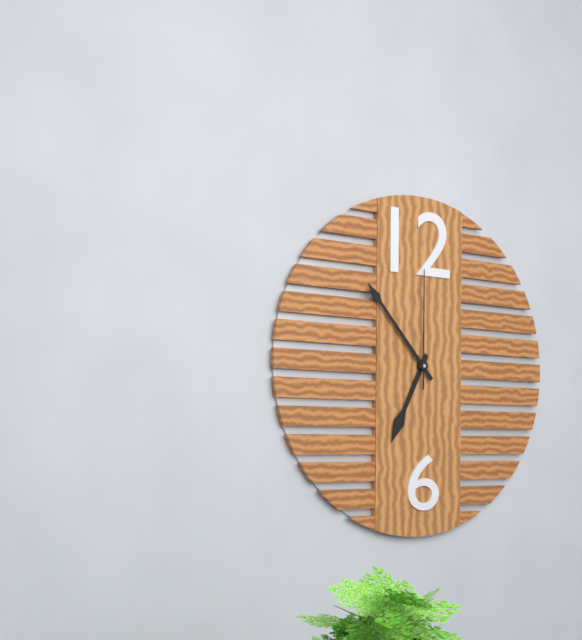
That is h=6 m=53 s=0
